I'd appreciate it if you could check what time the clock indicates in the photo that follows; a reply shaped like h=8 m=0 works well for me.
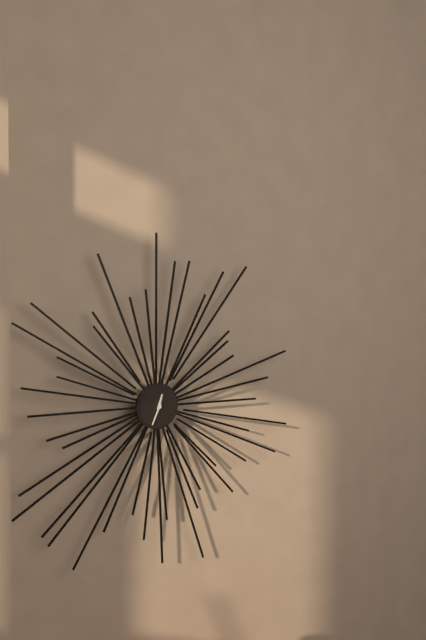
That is h=12 m=34
